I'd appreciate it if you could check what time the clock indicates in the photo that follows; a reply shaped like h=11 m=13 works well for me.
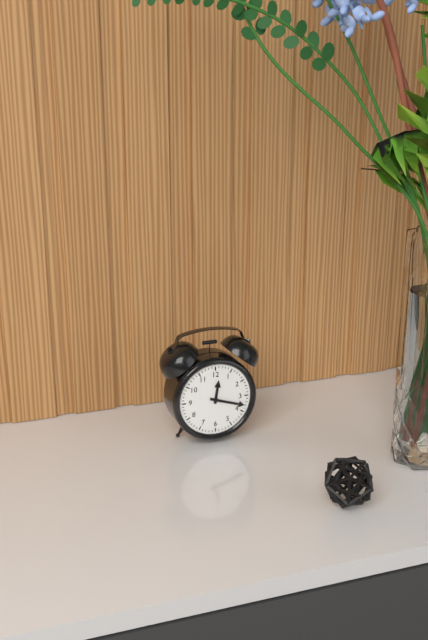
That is h=12 m=18
